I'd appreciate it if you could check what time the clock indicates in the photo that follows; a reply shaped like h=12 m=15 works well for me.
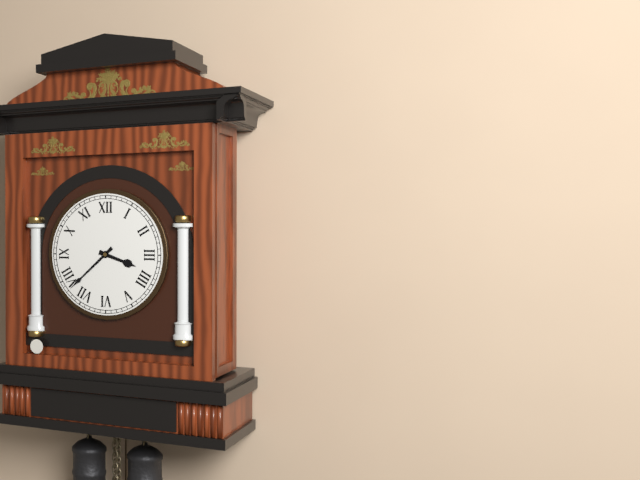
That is h=3 m=38
